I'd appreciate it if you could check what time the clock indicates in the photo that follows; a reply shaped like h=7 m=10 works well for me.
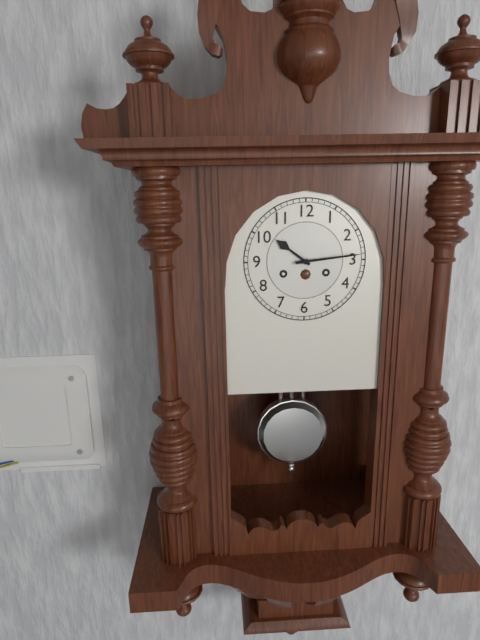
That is h=10 m=14
